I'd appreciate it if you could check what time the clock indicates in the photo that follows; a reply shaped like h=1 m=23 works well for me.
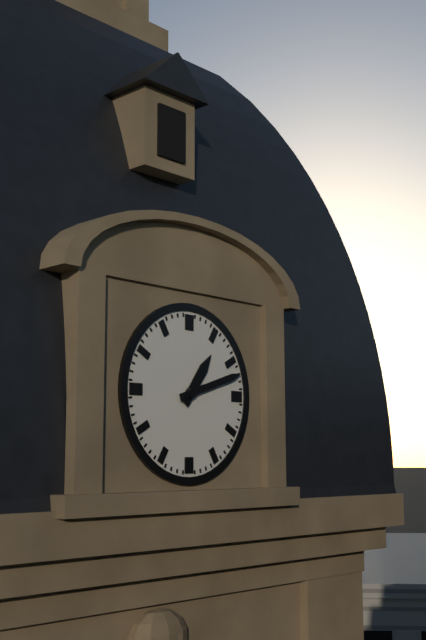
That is h=1 m=12
